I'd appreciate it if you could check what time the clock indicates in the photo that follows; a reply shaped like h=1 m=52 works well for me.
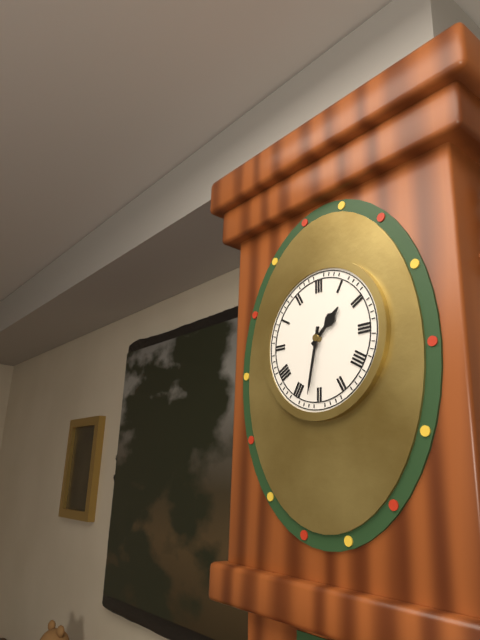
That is h=1 m=32
